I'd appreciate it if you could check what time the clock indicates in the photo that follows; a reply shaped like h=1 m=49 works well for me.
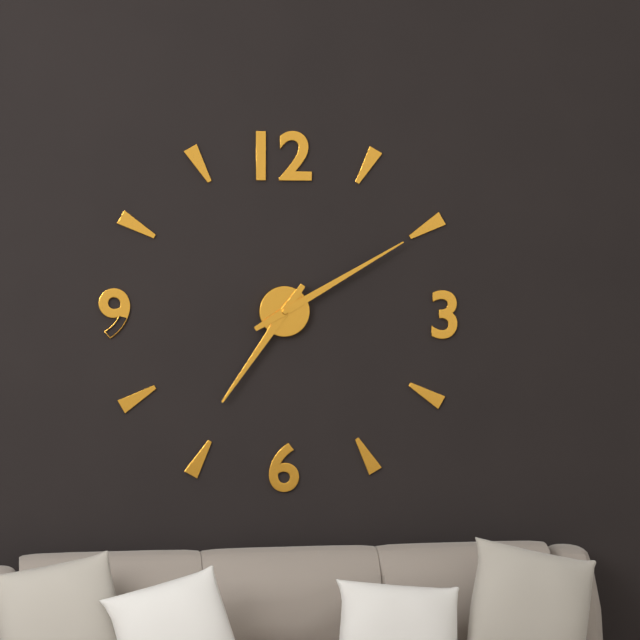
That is h=7 m=10
